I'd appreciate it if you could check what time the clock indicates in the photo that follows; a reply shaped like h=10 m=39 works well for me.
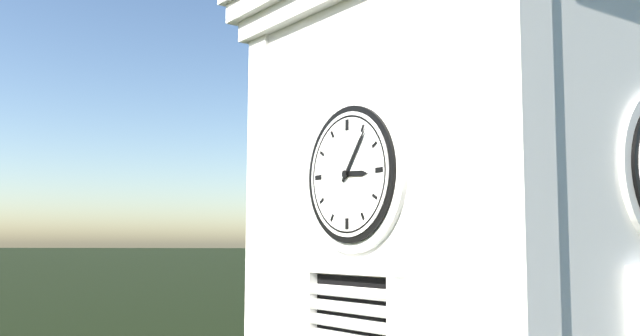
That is h=3 m=6
